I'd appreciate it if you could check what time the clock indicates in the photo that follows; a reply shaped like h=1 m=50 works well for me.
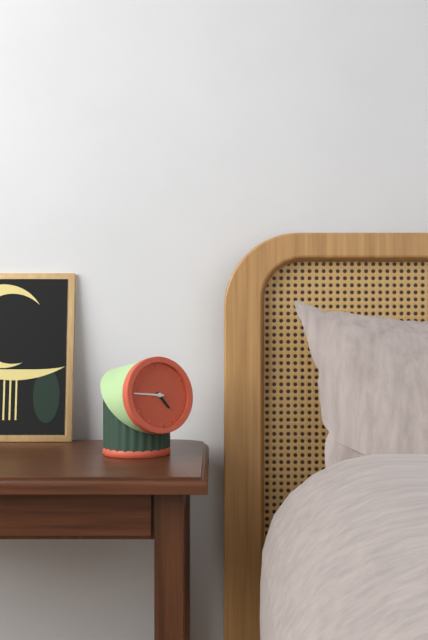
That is h=4 m=46
